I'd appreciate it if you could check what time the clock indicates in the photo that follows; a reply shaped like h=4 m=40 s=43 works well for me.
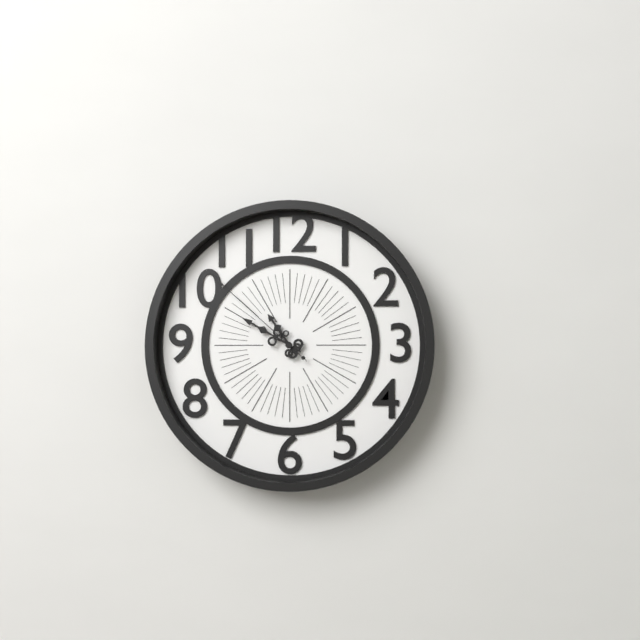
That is h=10 m=50 s=52
